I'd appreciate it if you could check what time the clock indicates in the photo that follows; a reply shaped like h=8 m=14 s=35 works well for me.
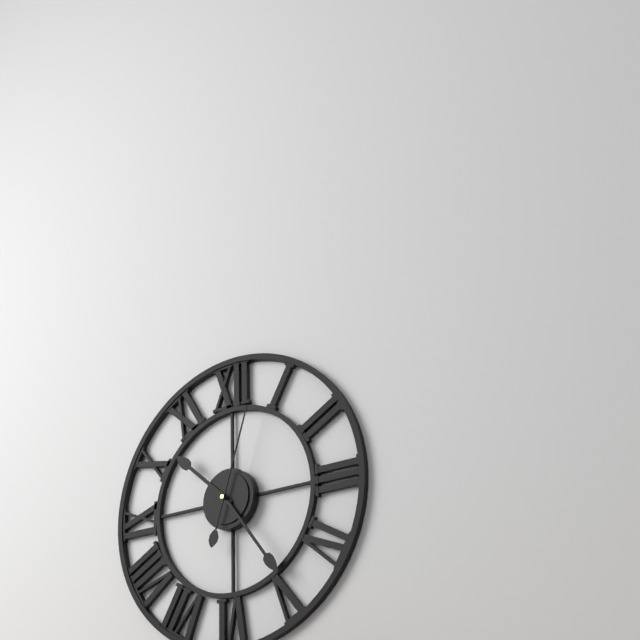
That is h=10 m=24 s=3
